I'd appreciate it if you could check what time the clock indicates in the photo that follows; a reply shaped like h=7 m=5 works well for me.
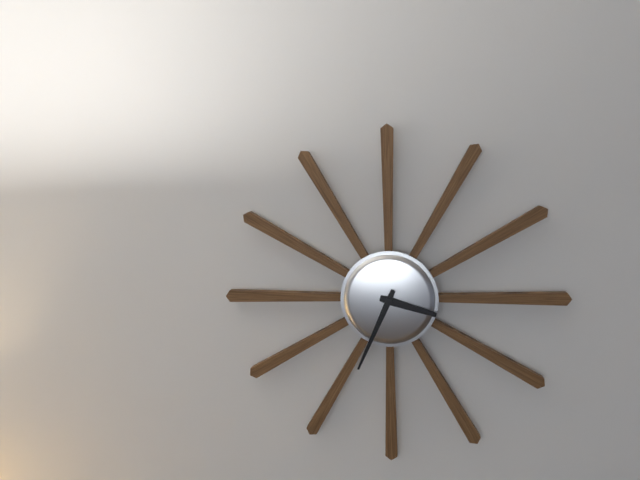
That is h=3 m=34
